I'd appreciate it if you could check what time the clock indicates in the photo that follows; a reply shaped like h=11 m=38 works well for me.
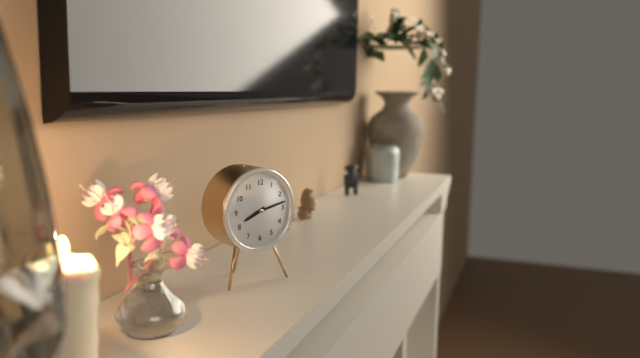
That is h=8 m=13
